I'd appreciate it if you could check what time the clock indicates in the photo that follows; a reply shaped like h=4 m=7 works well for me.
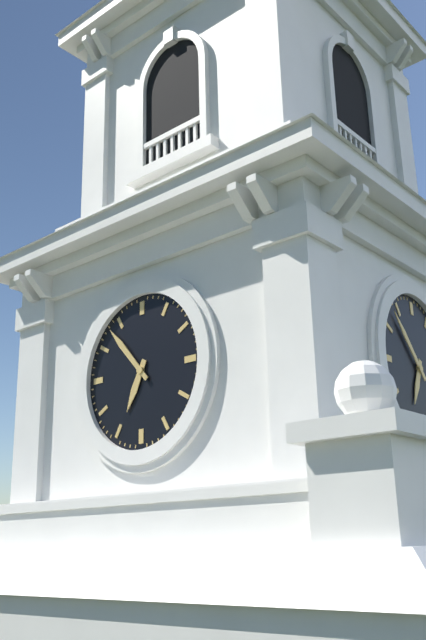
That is h=6 m=53
